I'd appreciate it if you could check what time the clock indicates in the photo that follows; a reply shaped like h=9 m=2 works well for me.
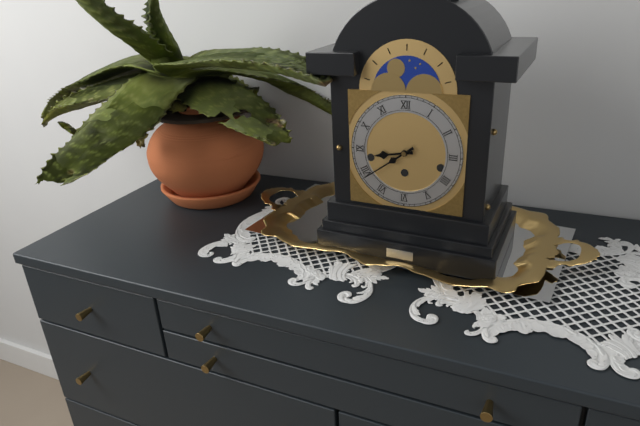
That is h=8 m=39
